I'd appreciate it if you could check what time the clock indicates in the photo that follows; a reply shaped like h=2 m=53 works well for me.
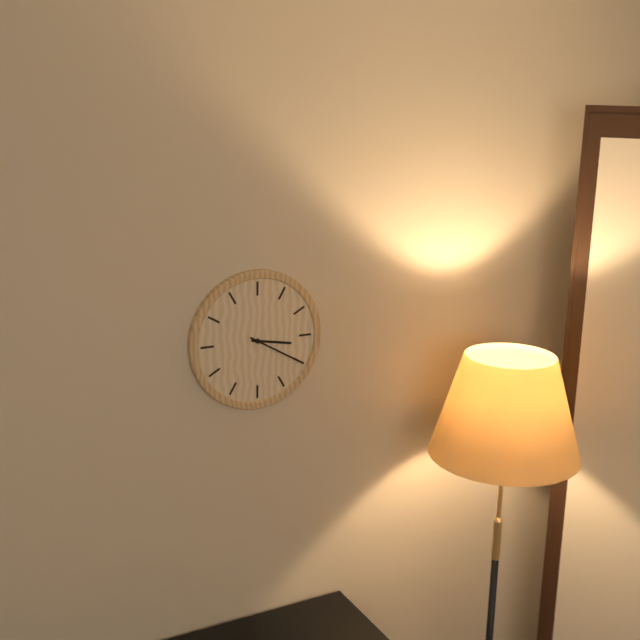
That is h=3 m=20
